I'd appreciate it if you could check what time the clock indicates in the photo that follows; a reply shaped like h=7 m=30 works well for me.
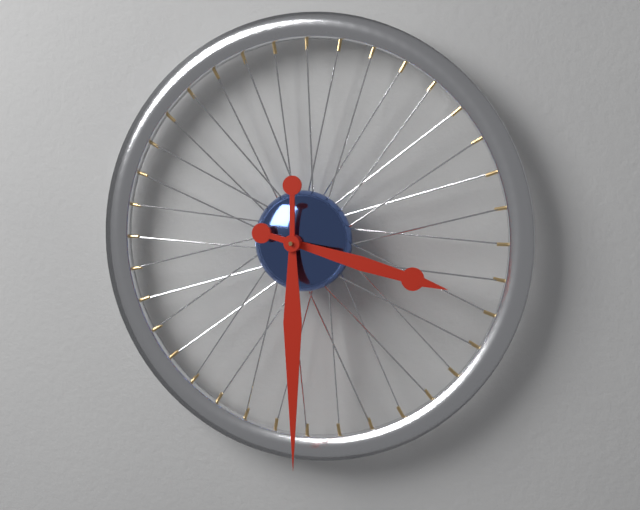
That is h=3 m=30
